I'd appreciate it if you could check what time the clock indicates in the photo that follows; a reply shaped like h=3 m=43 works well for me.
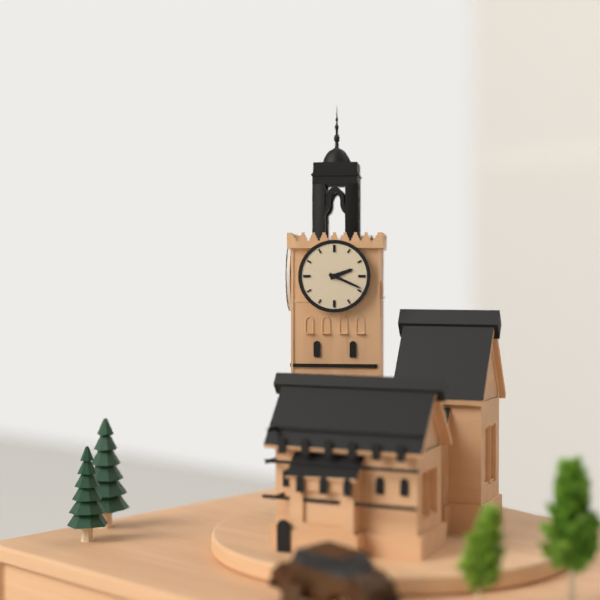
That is h=2 m=19
